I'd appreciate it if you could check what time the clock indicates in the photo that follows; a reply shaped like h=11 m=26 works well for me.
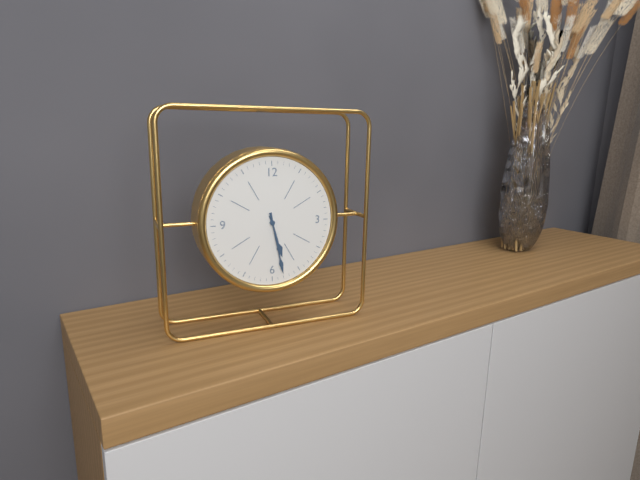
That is h=5 m=28
